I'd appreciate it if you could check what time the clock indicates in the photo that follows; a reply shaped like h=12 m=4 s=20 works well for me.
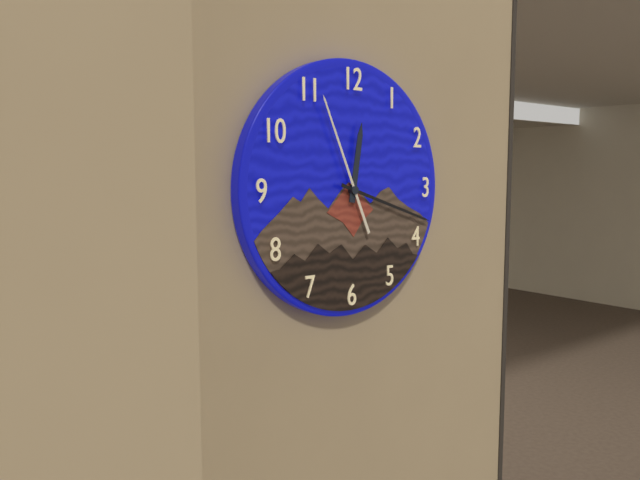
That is h=12 m=18 s=56
